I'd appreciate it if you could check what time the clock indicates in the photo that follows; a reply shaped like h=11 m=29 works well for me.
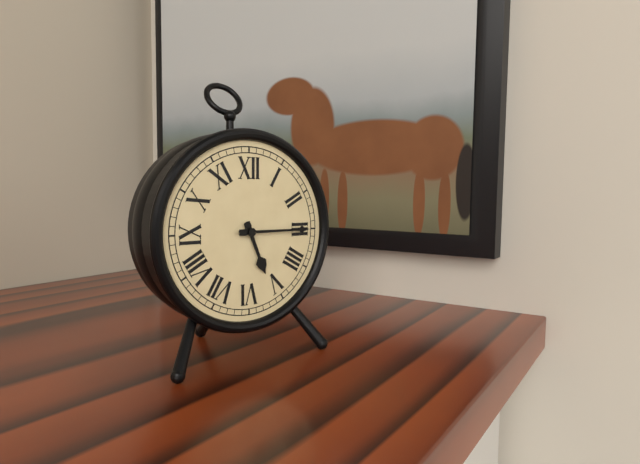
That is h=5 m=15
